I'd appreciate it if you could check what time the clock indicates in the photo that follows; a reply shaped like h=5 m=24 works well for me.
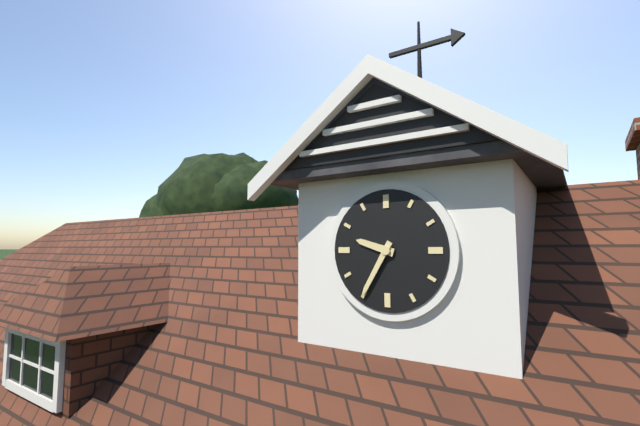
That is h=9 m=35
